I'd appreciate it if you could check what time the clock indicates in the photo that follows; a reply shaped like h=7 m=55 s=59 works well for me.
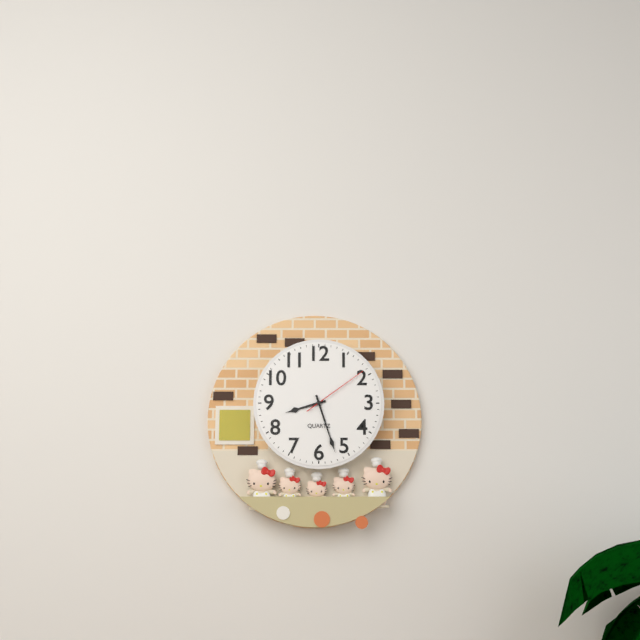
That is h=8 m=27 s=9
